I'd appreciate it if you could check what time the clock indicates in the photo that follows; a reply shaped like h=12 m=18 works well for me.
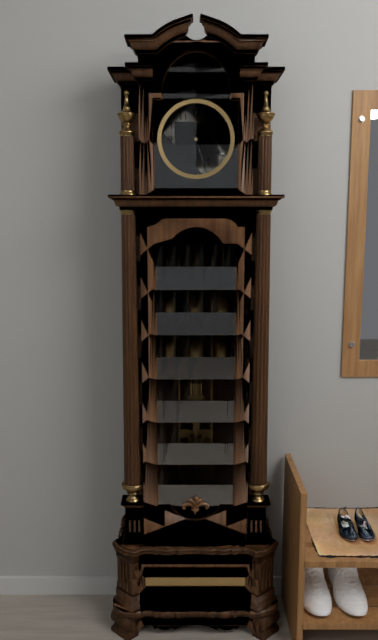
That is h=10 m=27
